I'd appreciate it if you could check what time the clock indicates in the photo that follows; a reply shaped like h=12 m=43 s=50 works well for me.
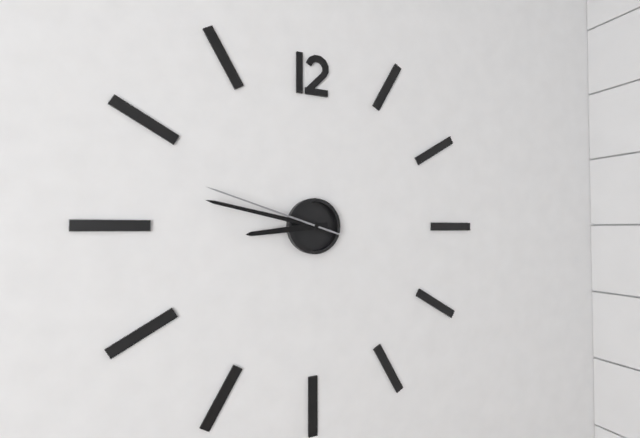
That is h=8 m=47 s=48
